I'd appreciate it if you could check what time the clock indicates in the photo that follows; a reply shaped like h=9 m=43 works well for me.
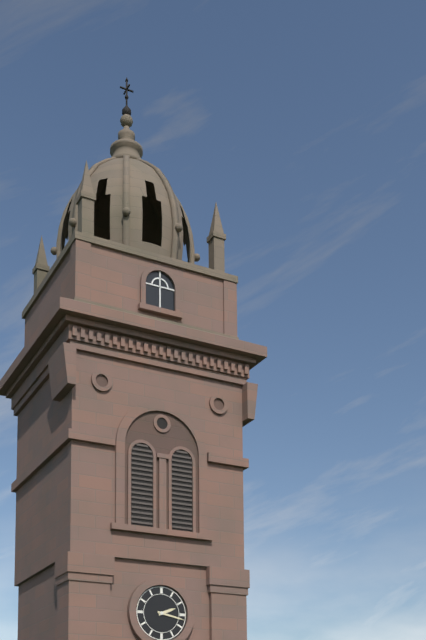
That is h=2 m=17
